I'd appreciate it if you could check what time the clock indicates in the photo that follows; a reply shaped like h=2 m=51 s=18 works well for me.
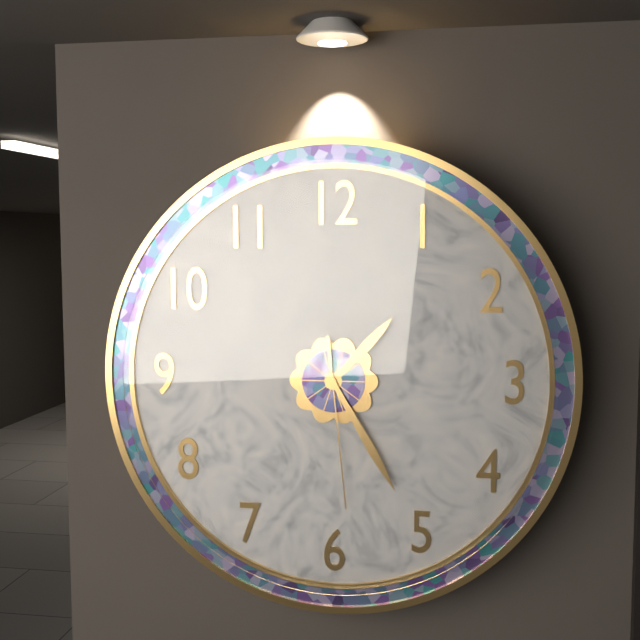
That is h=1 m=25 s=29
